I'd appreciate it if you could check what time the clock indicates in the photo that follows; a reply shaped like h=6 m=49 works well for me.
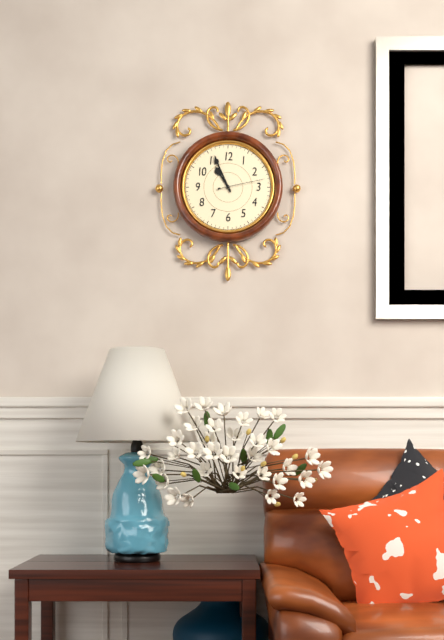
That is h=10 m=56
